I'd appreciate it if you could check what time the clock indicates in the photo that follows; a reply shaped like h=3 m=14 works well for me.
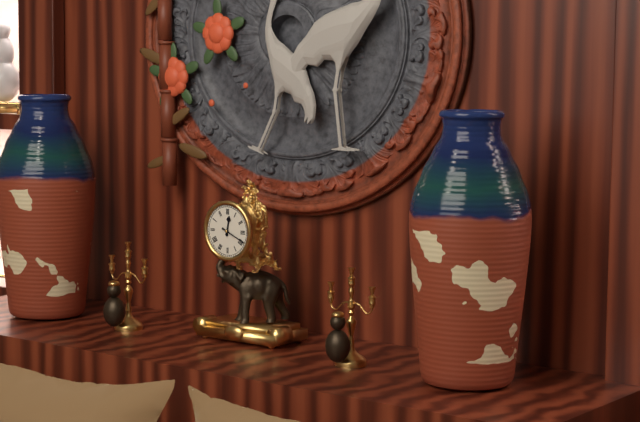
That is h=12 m=19
